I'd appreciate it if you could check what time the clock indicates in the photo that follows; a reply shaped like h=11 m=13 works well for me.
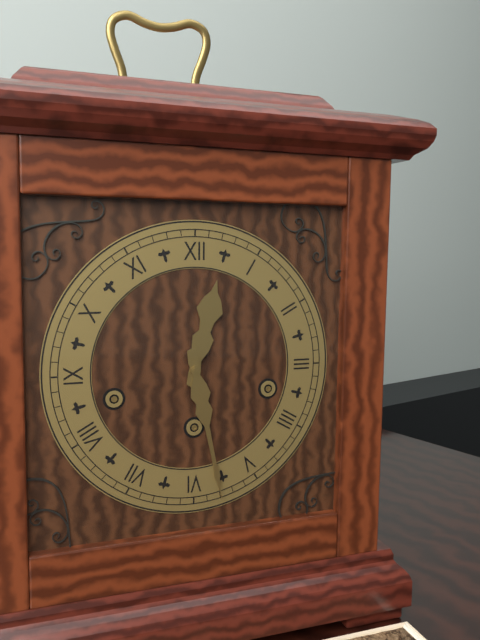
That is h=12 m=28
